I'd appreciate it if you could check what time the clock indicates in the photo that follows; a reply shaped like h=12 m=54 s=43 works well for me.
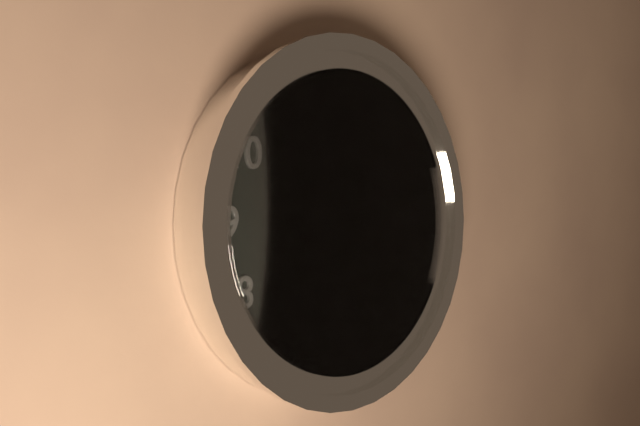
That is h=1 m=1 s=1
